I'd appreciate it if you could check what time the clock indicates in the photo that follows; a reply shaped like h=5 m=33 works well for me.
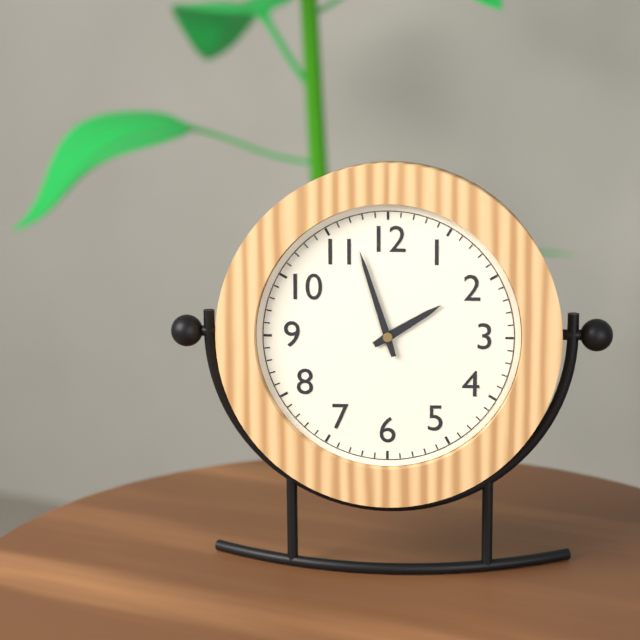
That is h=1 m=57
